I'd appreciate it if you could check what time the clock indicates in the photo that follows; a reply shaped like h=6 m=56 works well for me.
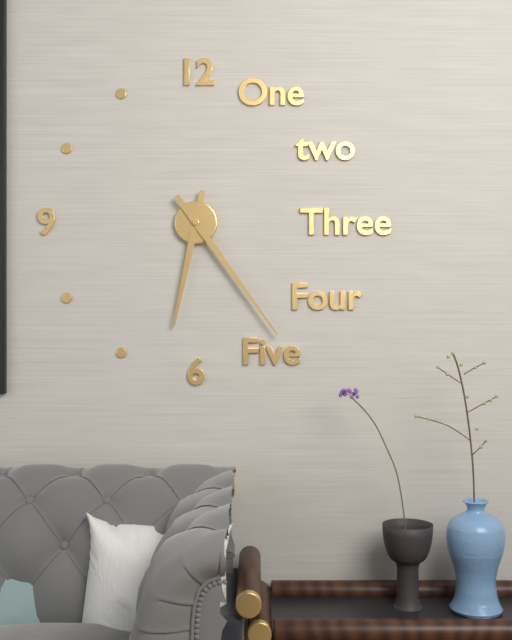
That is h=6 m=24
